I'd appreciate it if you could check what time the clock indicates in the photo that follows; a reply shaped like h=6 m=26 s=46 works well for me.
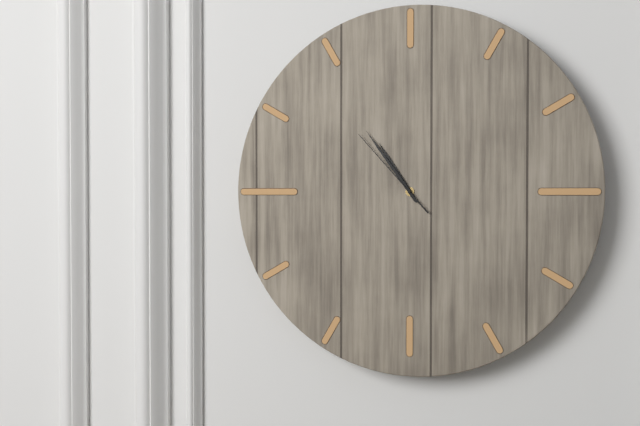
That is h=10 m=54 s=53
